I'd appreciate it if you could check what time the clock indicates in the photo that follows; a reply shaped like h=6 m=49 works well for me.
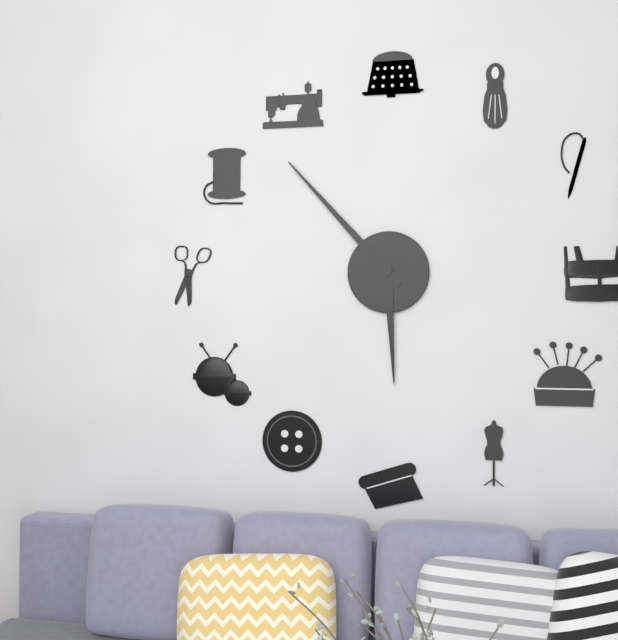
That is h=5 m=53
